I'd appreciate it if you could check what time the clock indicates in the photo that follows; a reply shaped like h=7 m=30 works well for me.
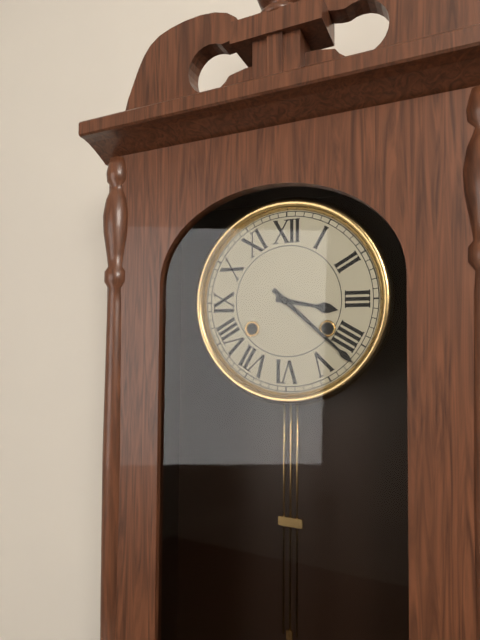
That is h=3 m=22
